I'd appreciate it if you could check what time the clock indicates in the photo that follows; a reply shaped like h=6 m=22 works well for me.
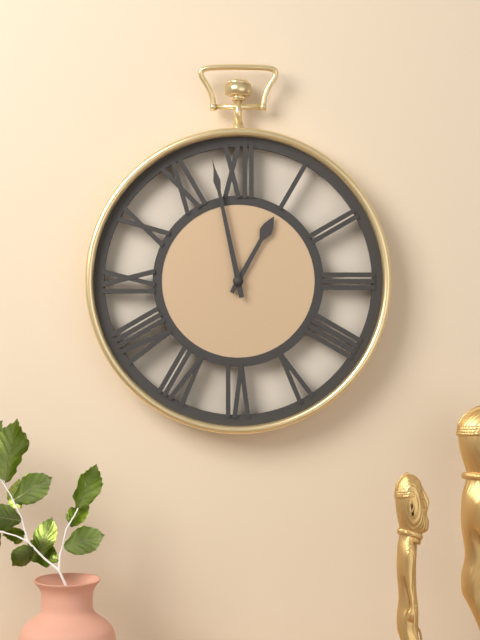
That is h=12 m=58
